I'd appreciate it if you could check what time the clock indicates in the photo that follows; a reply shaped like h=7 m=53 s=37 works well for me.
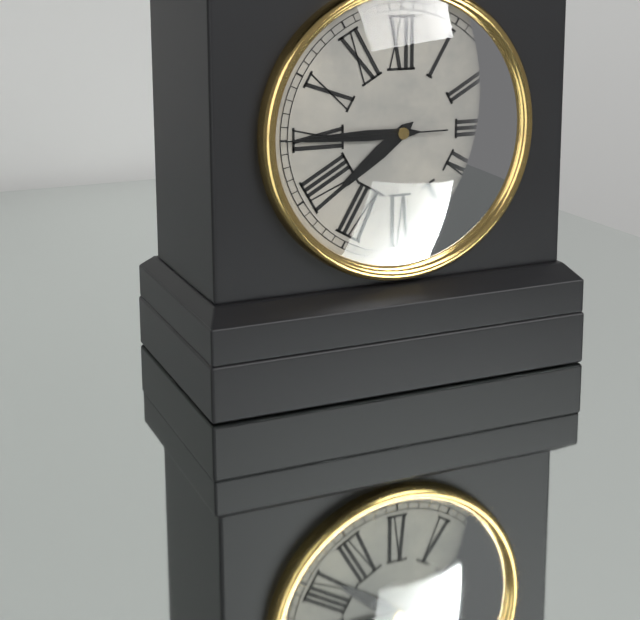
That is h=7 m=45 s=45
